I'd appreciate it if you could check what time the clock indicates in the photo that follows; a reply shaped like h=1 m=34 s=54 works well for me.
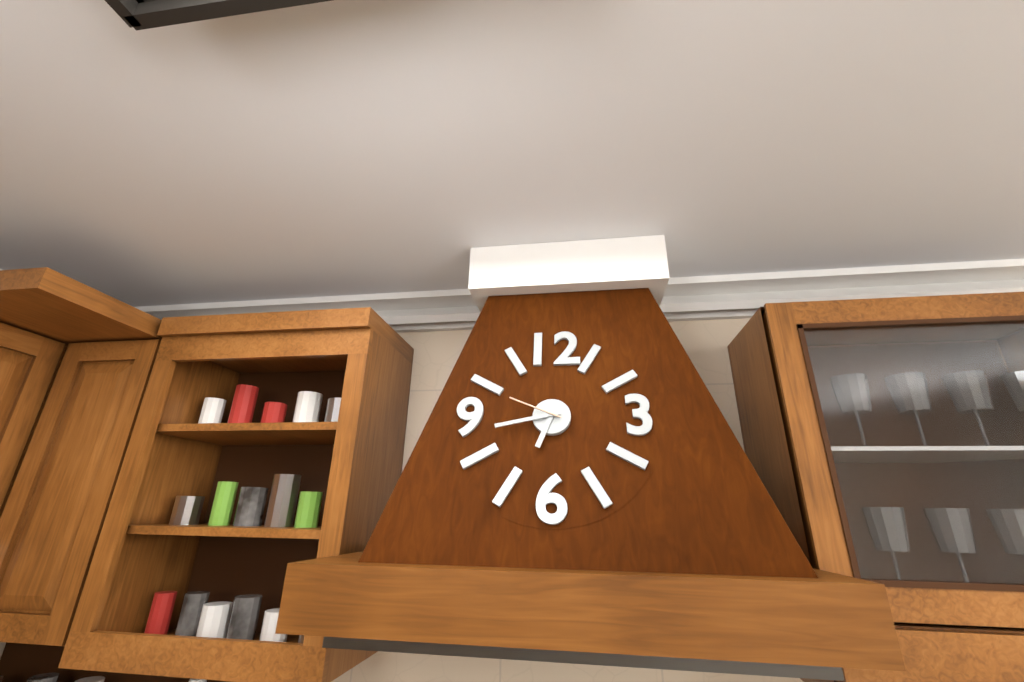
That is h=6 m=43 s=49
